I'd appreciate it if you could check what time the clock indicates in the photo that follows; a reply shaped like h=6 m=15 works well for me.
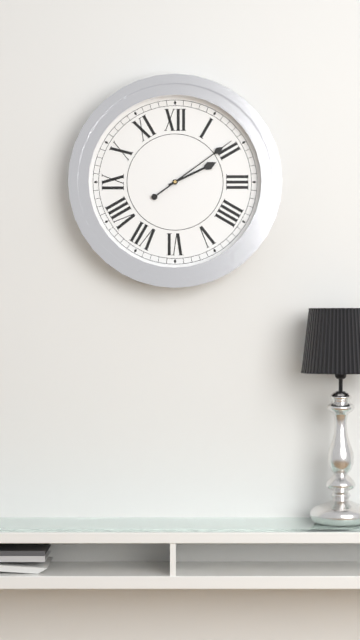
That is h=2 m=9
